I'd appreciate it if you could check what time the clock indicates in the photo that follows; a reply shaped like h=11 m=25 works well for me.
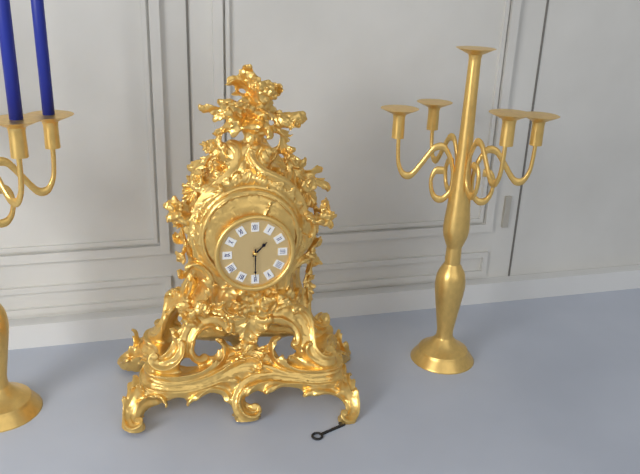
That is h=1 m=30
